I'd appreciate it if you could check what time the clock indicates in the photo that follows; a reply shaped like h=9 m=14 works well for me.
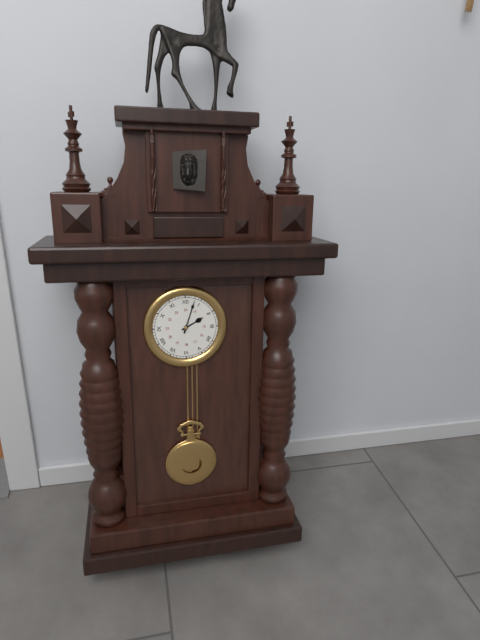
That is h=2 m=3
